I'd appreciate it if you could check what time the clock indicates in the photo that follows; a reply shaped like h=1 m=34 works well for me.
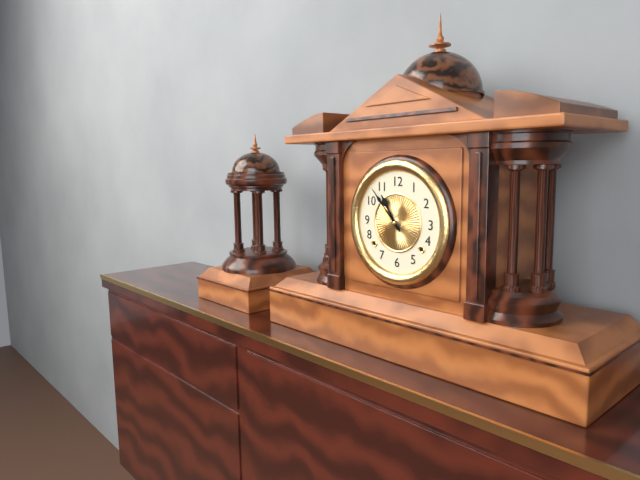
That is h=10 m=53
